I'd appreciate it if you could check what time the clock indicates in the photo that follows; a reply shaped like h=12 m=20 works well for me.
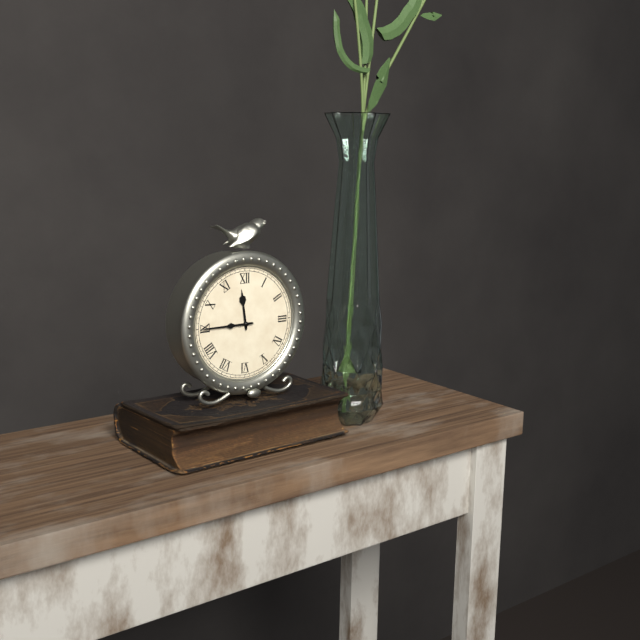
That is h=11 m=45
